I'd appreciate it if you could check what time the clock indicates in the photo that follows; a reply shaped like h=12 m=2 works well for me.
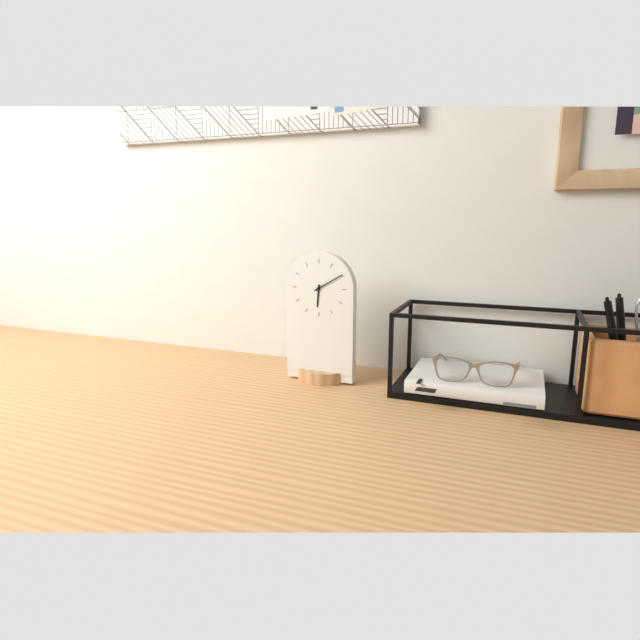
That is h=6 m=10
